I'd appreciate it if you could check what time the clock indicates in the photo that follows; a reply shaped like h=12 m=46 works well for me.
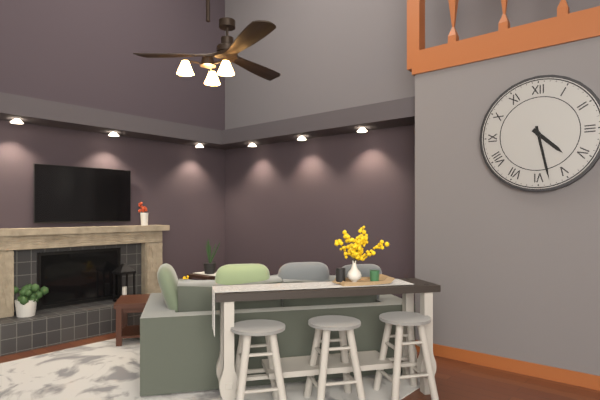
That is h=4 m=28
